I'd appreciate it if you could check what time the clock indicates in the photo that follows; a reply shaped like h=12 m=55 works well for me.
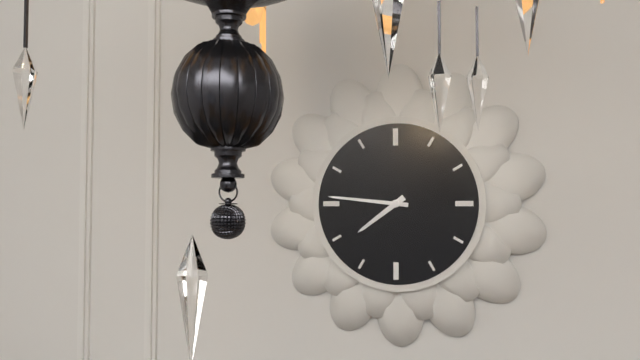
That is h=7 m=46
